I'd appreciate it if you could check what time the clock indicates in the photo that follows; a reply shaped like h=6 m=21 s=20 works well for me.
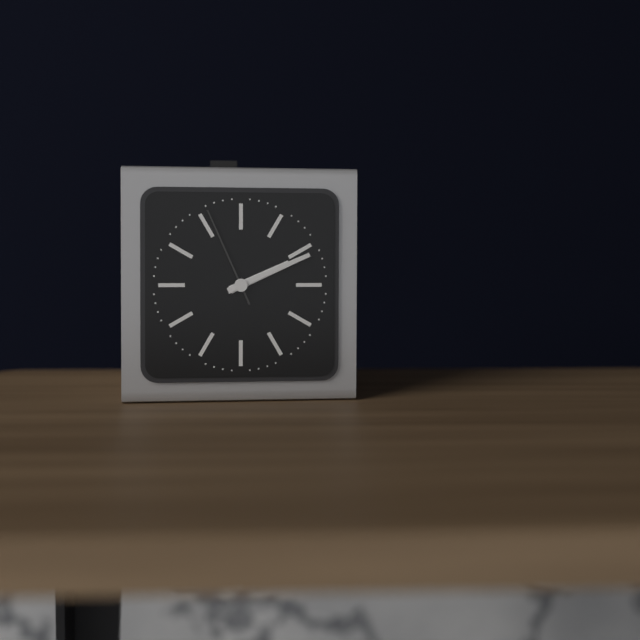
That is h=2 m=11 s=56
